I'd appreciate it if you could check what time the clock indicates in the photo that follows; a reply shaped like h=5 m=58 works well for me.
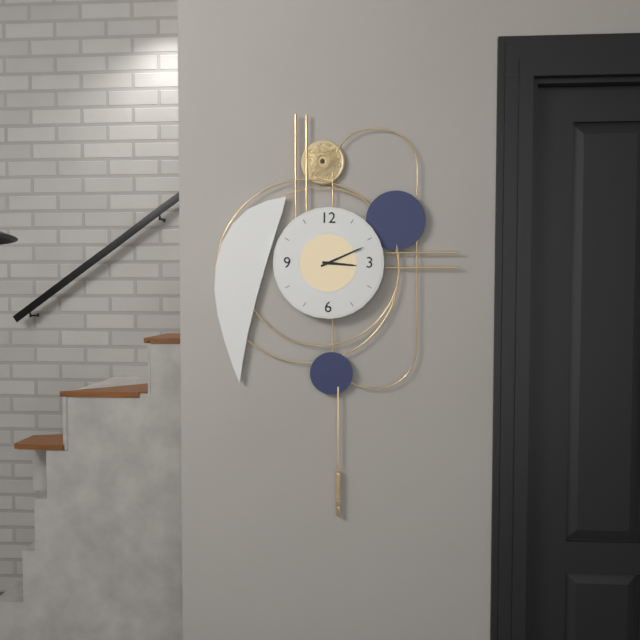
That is h=3 m=11
